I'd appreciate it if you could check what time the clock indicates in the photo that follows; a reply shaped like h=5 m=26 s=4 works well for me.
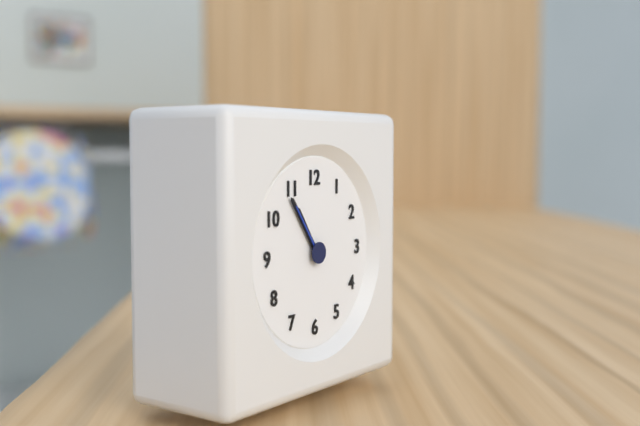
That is h=10 m=54 s=54
